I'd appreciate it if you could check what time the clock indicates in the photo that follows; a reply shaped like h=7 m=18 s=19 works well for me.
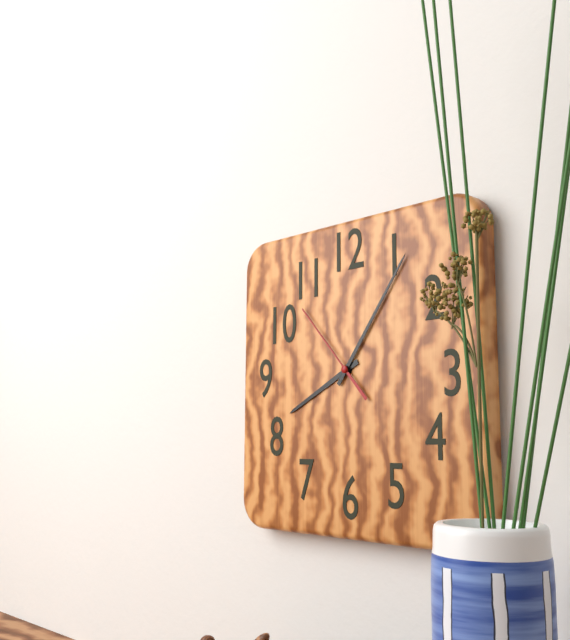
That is h=8 m=6 s=53
